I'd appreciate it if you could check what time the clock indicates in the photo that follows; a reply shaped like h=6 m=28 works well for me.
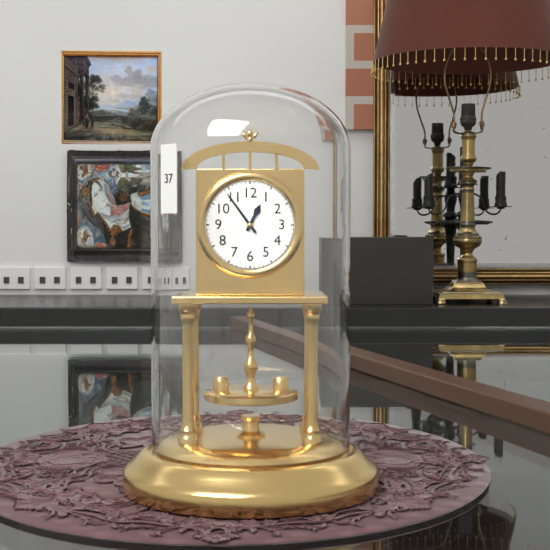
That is h=12 m=54
